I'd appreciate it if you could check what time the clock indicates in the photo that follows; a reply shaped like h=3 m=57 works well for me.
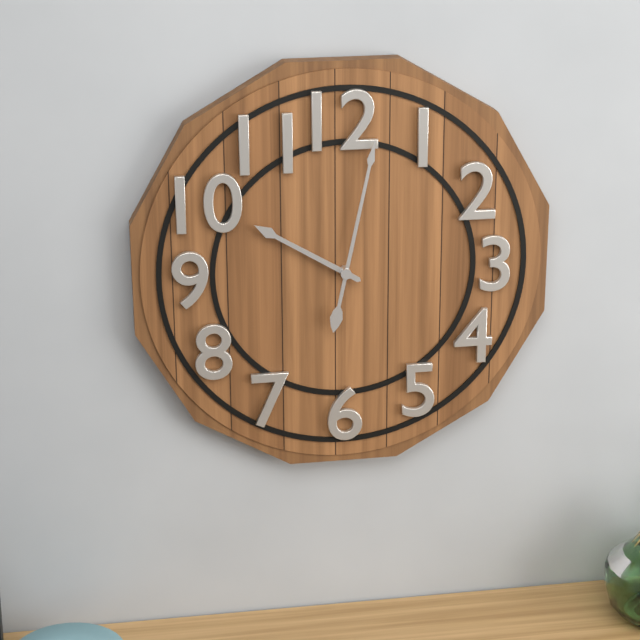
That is h=10 m=2
